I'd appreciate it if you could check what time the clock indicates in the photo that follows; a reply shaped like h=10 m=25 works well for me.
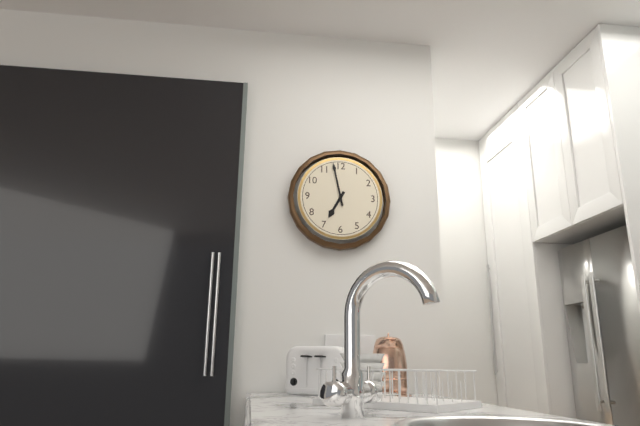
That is h=6 m=58
